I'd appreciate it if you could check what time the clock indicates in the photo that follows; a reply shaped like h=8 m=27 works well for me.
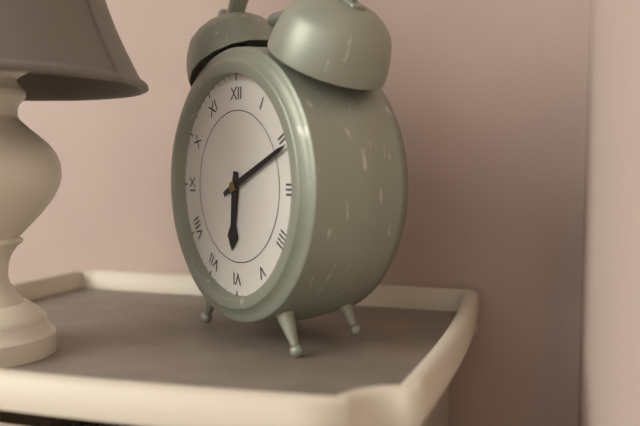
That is h=6 m=11
